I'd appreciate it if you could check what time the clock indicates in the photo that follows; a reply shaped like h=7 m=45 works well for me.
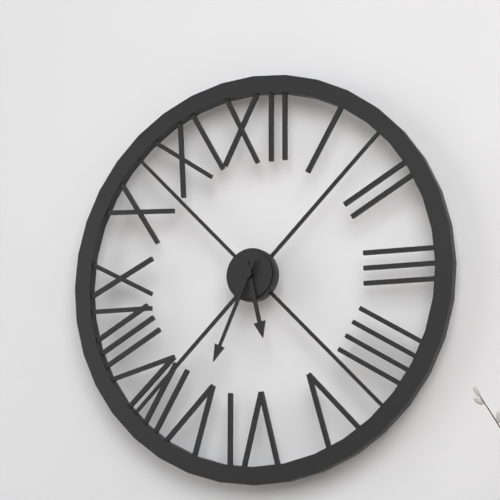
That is h=5 m=34
